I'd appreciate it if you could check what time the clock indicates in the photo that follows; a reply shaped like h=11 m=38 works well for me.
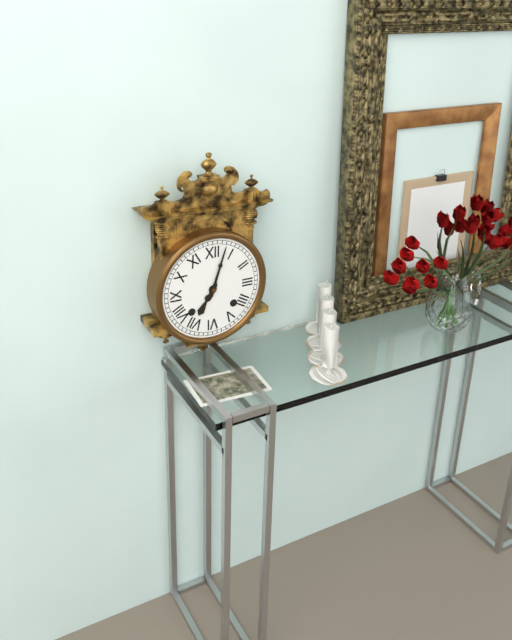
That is h=7 m=3
